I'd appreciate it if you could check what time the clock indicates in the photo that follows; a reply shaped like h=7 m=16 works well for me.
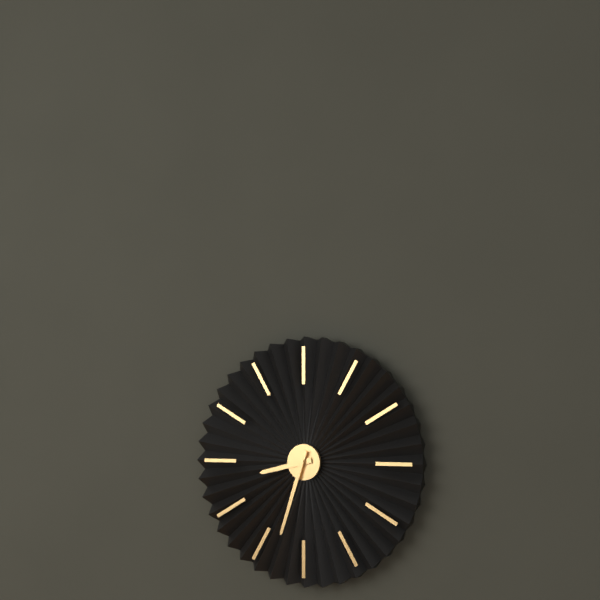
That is h=8 m=33
